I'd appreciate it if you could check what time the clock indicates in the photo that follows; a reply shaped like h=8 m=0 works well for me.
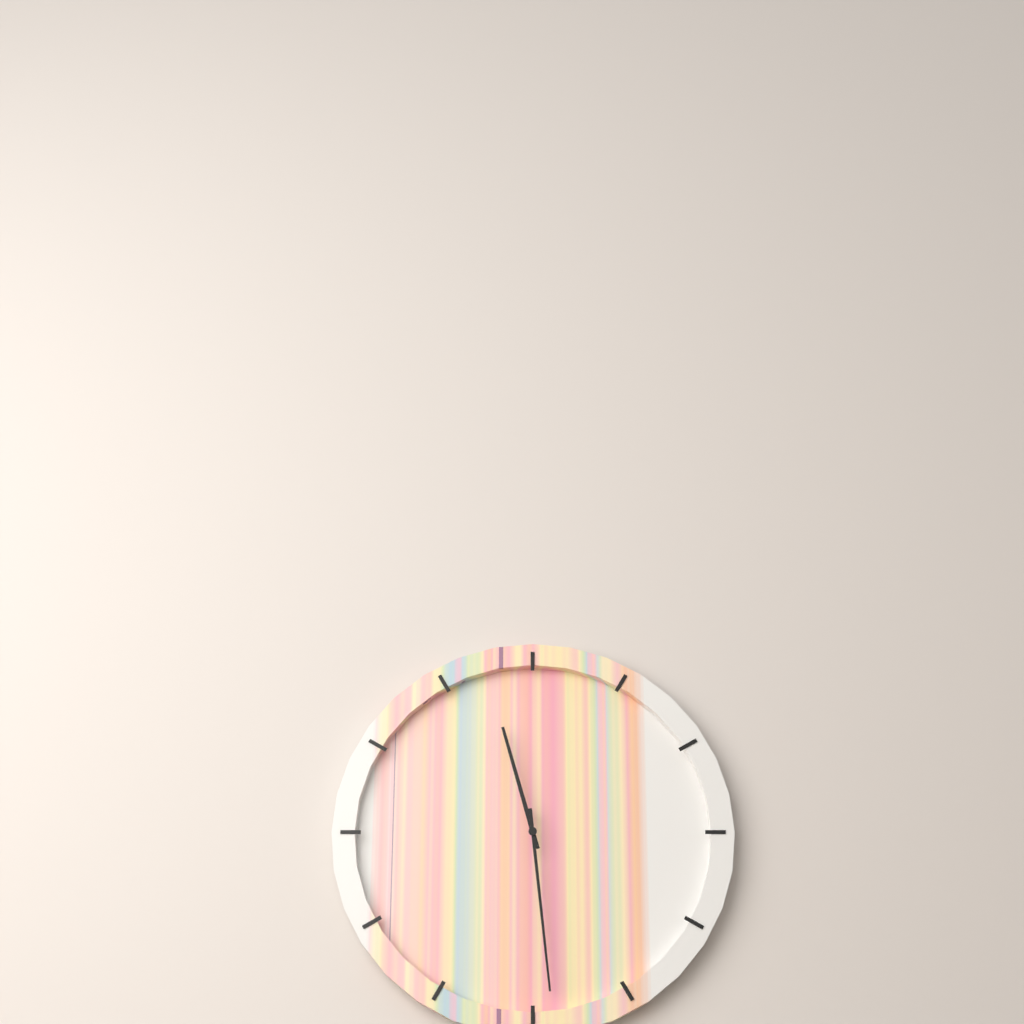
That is h=11 m=29
